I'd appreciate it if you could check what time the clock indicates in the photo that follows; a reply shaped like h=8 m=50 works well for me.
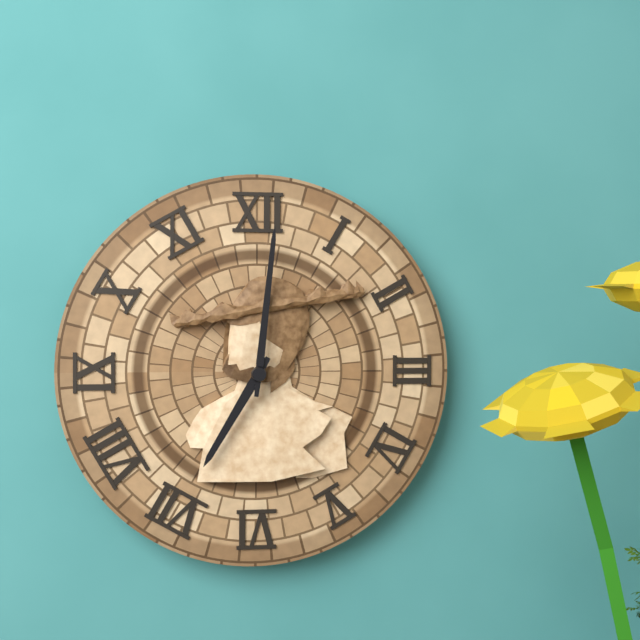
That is h=7 m=1
